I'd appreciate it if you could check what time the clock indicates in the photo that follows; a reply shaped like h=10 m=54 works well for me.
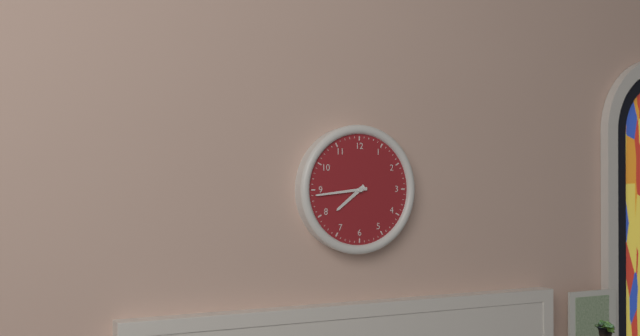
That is h=7 m=44
